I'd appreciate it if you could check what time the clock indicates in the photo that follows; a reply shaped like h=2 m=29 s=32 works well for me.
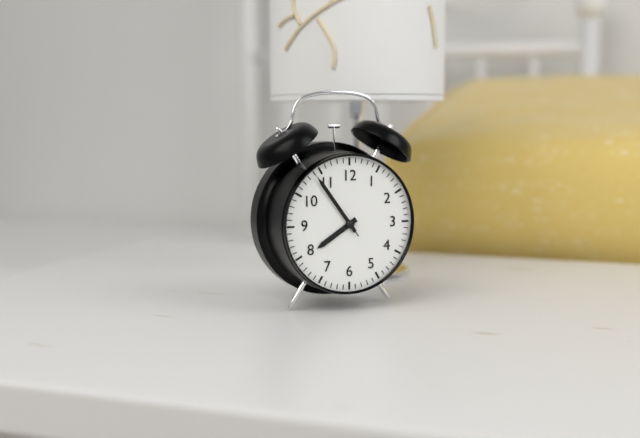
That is h=7 m=54 s=54
